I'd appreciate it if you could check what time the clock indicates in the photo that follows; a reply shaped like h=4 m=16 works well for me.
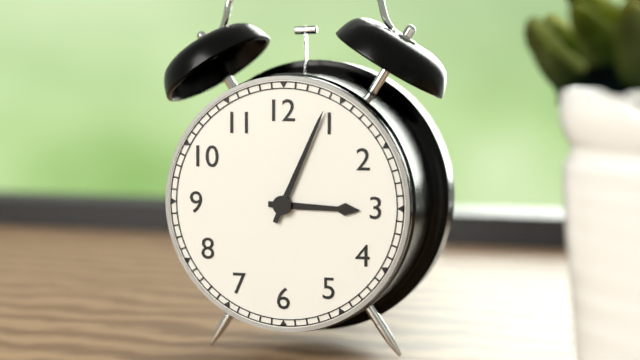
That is h=3 m=4
